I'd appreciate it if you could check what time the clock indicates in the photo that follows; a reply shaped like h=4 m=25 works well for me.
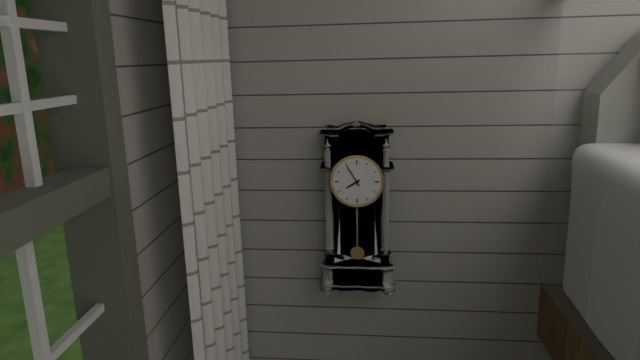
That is h=7 m=55
